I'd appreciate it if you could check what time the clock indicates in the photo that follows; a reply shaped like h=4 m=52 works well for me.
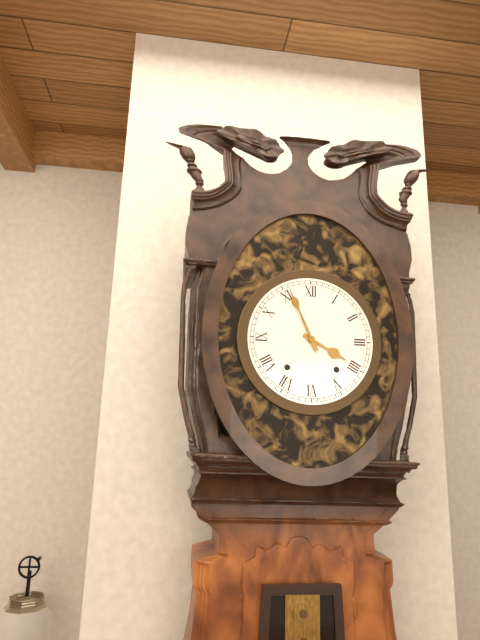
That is h=3 m=56
